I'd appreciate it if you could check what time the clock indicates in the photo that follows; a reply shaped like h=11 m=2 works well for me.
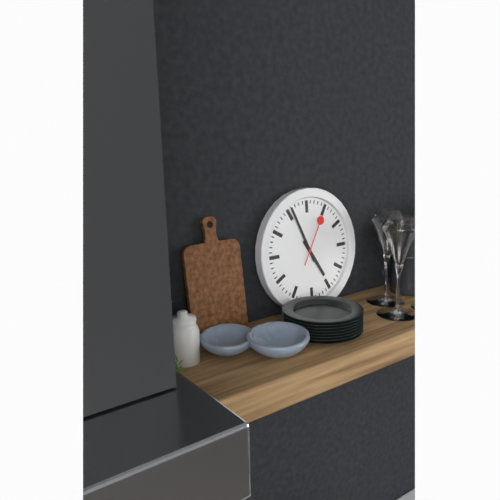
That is h=4 m=56
